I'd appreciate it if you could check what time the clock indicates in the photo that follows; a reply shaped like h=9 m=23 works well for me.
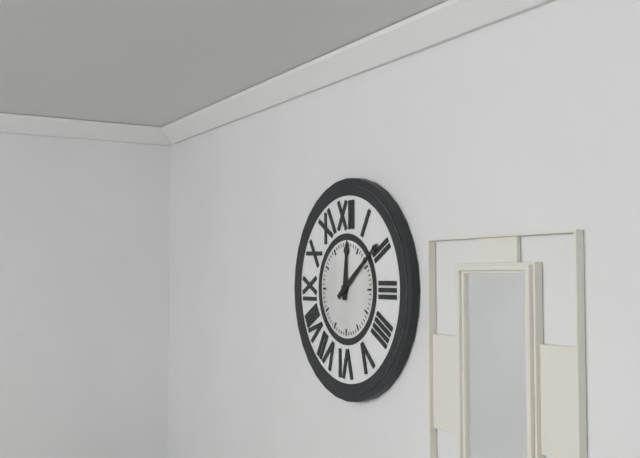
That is h=12 m=9
